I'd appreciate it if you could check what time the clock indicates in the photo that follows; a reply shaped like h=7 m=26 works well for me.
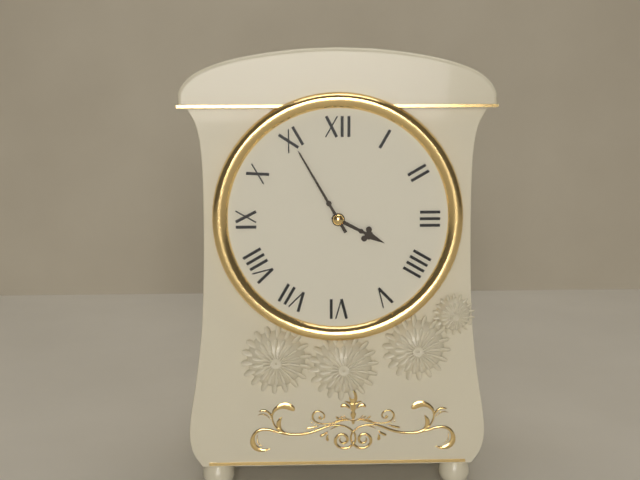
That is h=3 m=55
